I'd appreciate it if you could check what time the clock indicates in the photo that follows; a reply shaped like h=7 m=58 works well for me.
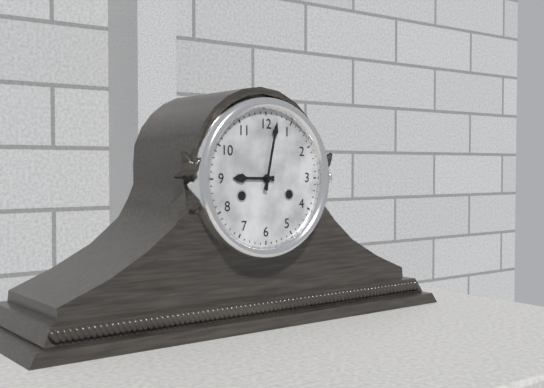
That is h=9 m=2
